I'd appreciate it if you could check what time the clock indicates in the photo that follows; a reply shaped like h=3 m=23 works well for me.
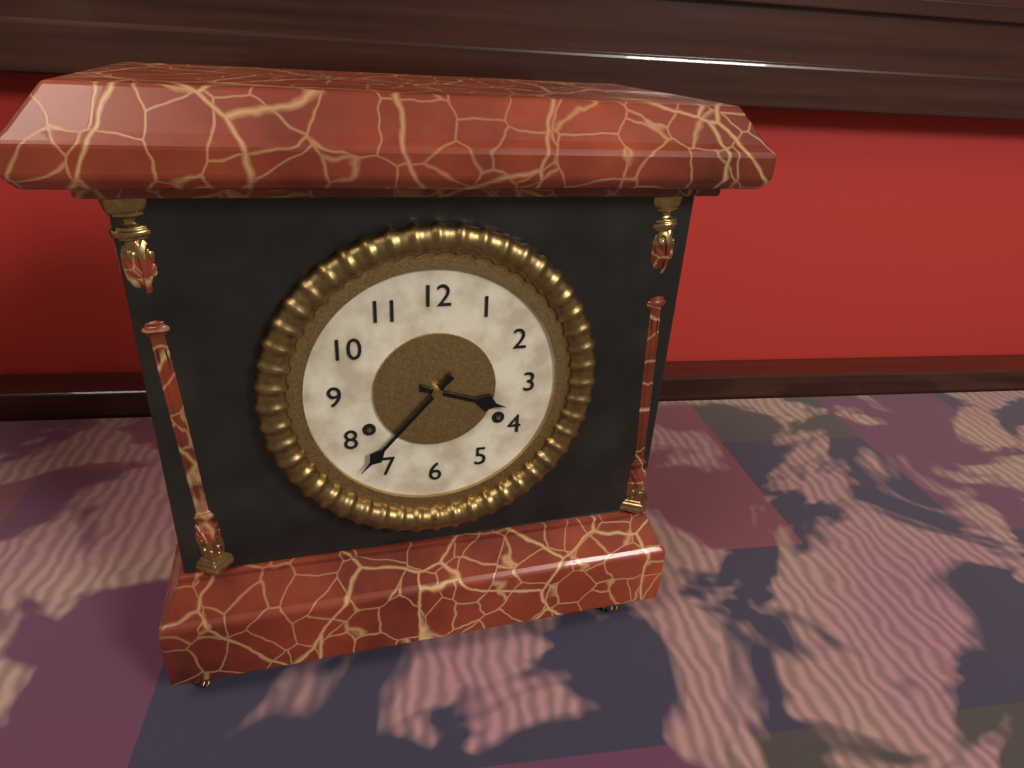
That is h=3 m=37
